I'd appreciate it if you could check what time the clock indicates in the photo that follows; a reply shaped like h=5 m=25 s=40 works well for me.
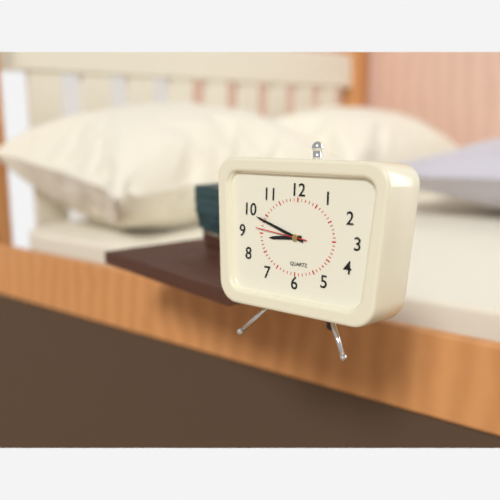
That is h=8 m=48 s=46
